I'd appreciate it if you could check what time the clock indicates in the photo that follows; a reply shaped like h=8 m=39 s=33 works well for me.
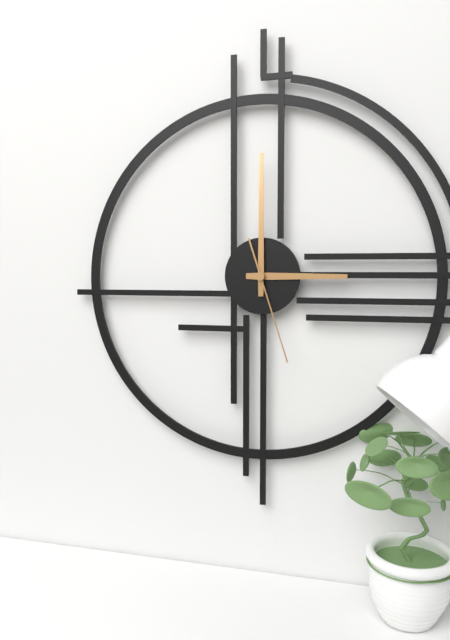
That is h=3 m=0 s=27
